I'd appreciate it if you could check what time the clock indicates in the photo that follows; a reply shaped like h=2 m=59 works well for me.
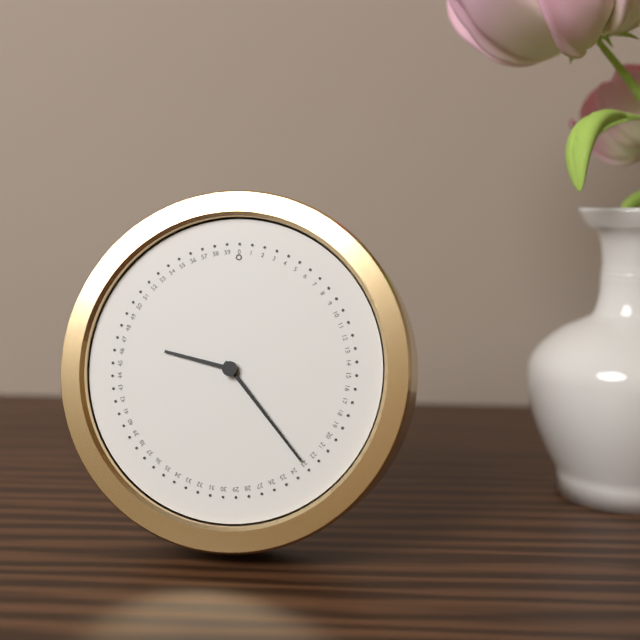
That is h=9 m=23
